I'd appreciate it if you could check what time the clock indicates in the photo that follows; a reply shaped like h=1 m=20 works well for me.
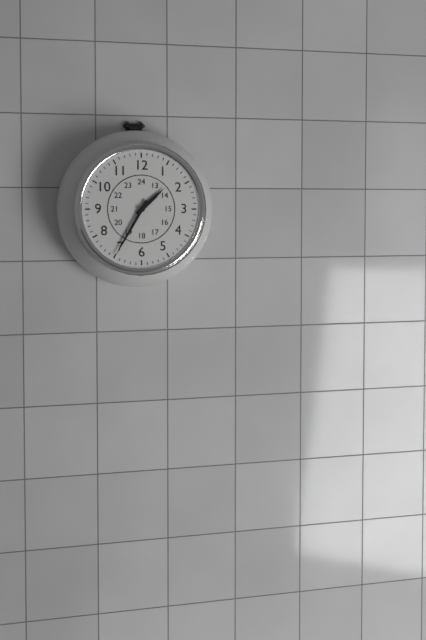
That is h=1 m=35
